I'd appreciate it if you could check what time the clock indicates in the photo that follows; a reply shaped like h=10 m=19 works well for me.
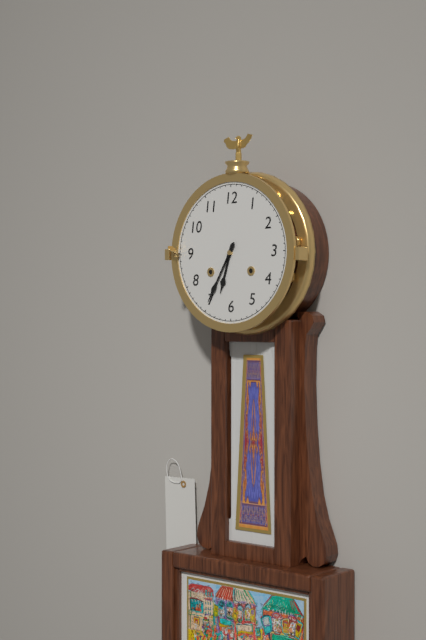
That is h=6 m=35
